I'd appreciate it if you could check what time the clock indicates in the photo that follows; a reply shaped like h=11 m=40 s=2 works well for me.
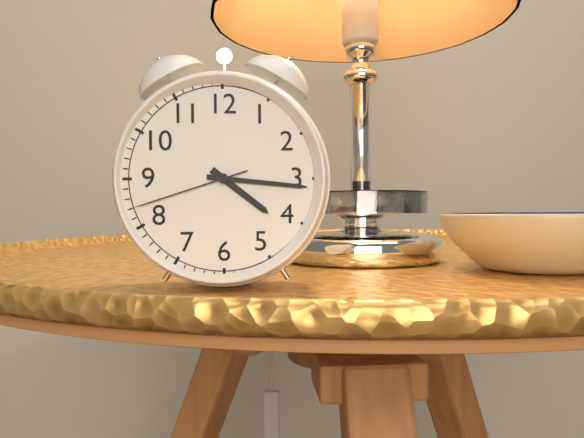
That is h=4 m=16 s=42
